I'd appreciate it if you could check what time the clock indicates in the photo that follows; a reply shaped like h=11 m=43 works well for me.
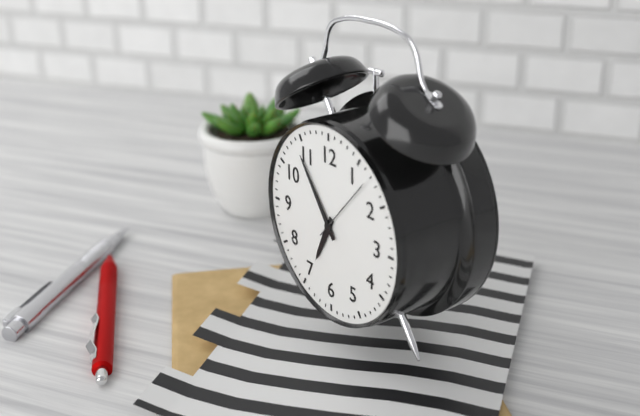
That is h=6 m=54
